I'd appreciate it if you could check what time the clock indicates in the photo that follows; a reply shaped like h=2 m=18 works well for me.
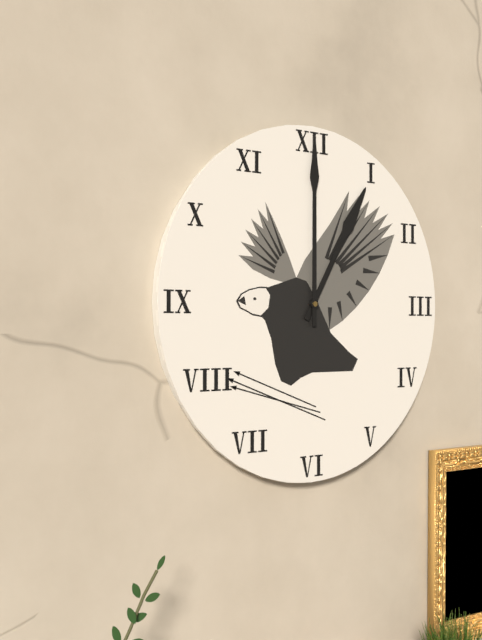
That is h=1 m=0
